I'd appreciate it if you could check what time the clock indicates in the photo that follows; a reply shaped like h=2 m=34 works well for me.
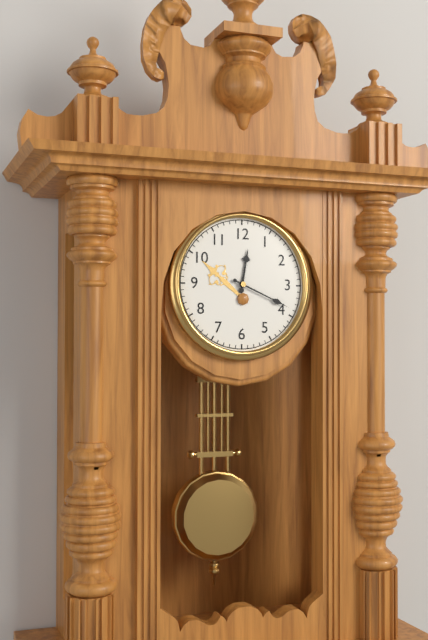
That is h=12 m=19
